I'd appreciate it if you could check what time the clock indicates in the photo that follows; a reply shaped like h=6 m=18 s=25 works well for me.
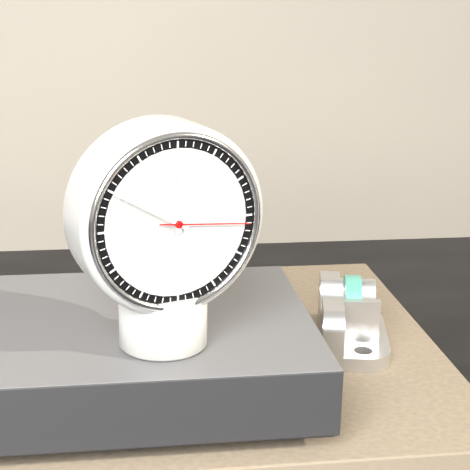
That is h=11 m=50 s=16
